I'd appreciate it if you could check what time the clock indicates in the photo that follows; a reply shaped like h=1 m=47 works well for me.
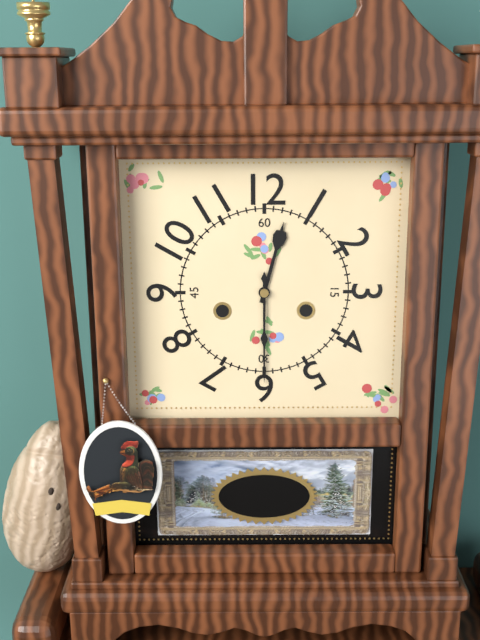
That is h=12 m=30
